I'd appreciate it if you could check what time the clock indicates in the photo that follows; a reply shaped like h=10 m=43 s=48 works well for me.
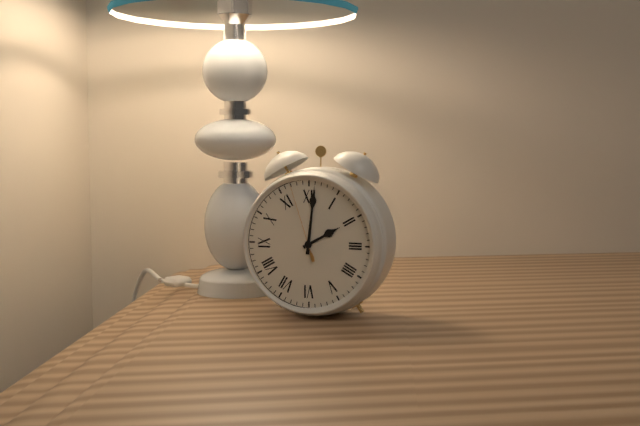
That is h=2 m=1 s=57
